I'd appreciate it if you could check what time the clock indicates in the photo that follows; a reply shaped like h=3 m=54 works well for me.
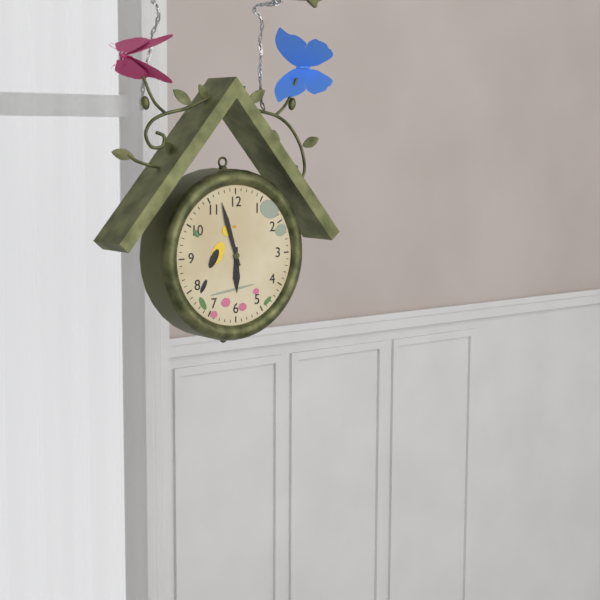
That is h=5 m=57
